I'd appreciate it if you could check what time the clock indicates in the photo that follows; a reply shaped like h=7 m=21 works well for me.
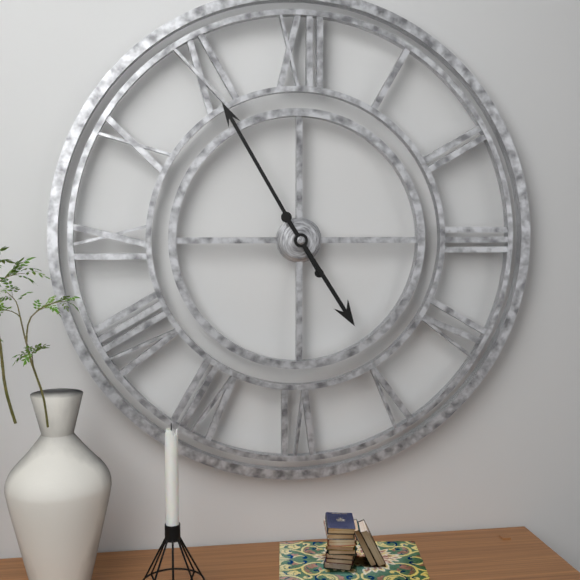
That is h=4 m=55
